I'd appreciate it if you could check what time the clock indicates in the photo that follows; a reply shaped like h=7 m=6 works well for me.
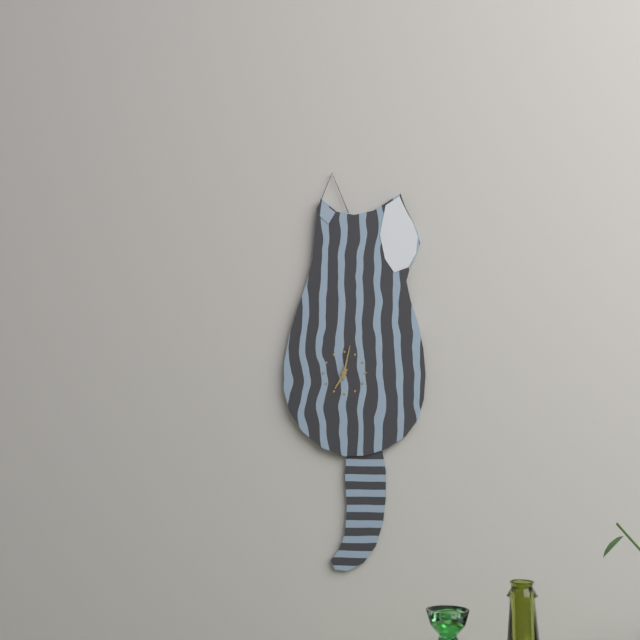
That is h=7 m=2
